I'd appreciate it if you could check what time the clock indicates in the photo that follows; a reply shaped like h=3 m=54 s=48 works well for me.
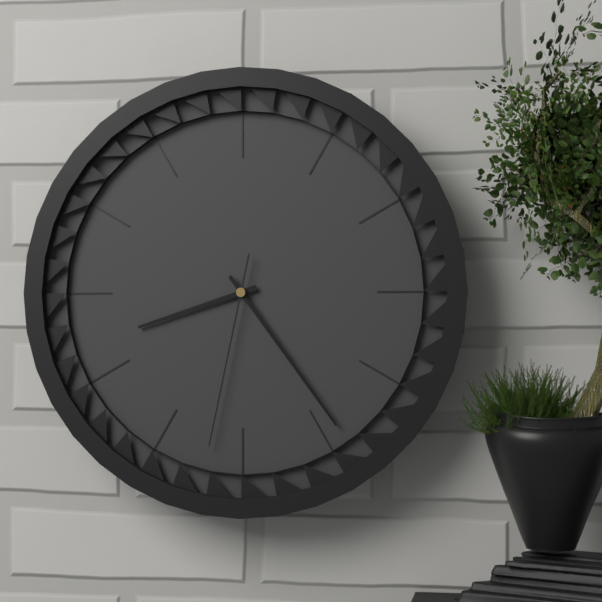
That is h=8 m=24 s=32
